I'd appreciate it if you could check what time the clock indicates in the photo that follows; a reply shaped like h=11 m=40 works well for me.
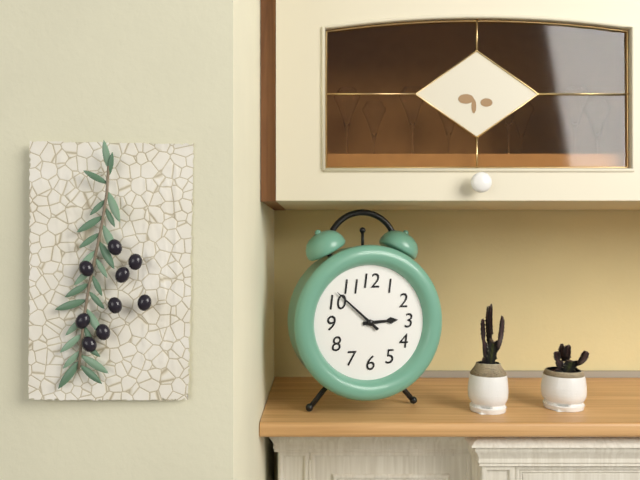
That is h=2 m=52
